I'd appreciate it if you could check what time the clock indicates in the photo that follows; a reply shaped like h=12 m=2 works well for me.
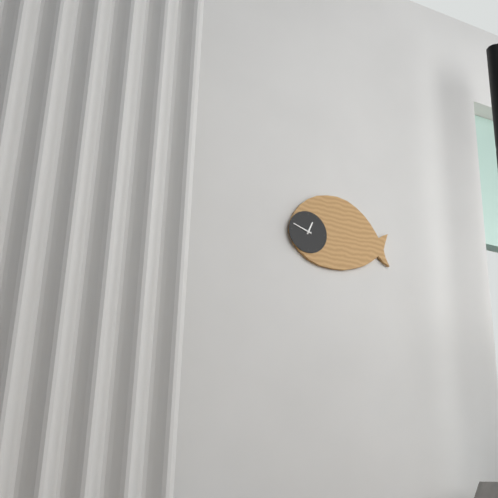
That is h=12 m=48
